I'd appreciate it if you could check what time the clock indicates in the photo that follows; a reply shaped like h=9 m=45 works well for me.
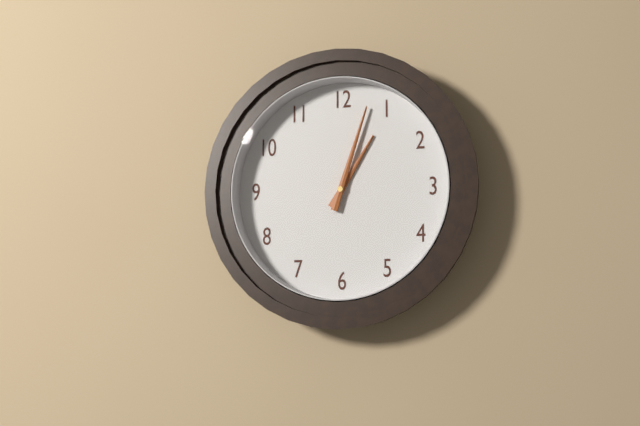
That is h=1 m=3
